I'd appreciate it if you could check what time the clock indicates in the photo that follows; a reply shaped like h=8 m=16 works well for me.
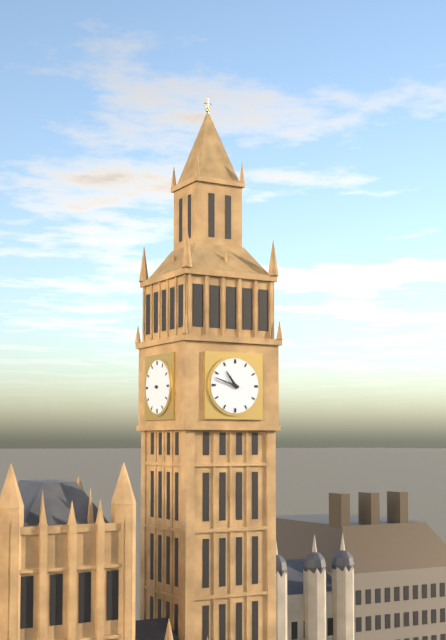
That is h=10 m=48
